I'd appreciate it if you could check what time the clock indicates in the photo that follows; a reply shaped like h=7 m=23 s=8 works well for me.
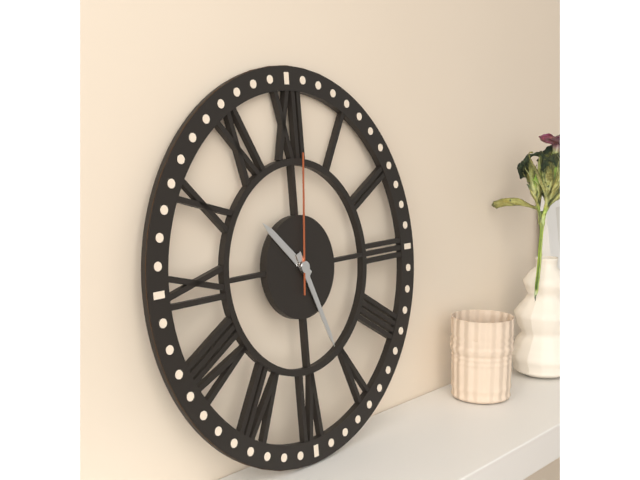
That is h=10 m=26 s=1
